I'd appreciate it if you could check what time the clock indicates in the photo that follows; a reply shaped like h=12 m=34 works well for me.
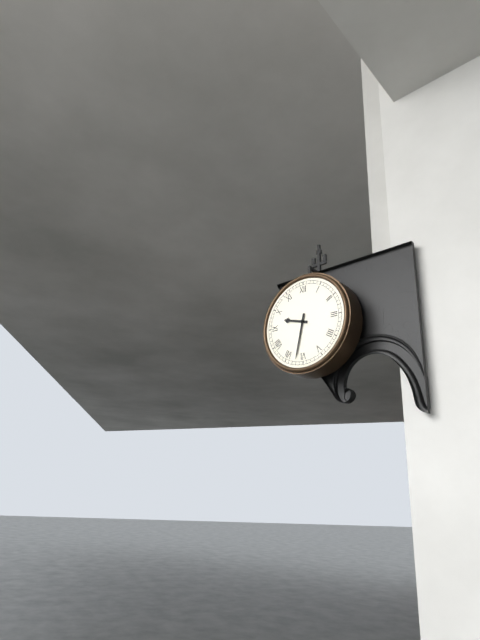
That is h=9 m=32
